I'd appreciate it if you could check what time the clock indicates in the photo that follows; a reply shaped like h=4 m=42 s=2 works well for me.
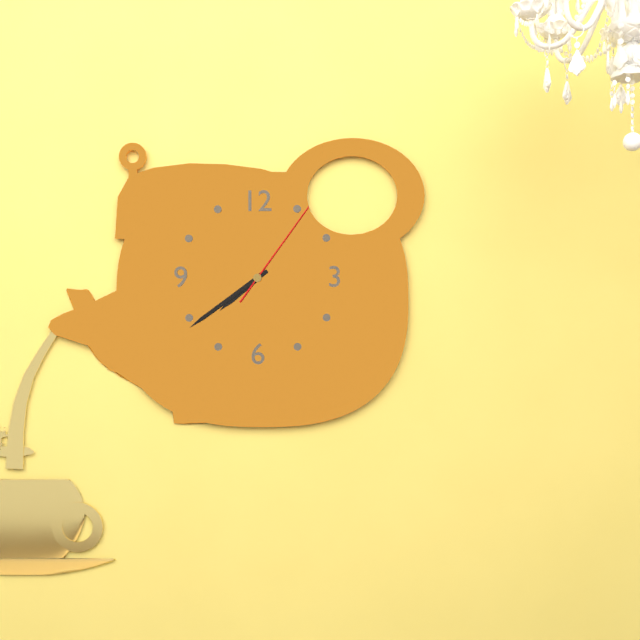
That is h=7 m=39 s=6
